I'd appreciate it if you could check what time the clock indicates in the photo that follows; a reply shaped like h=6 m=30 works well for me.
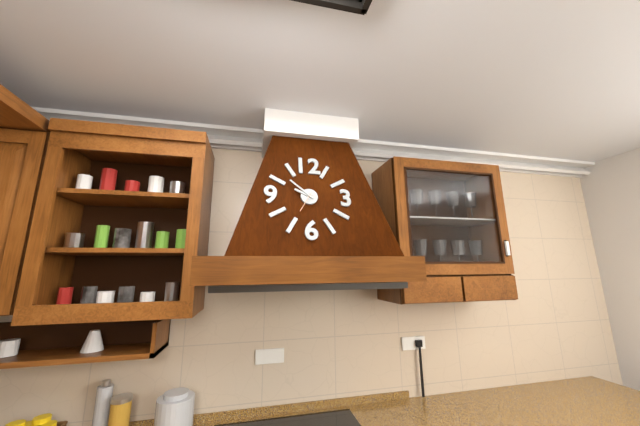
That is h=9 m=52
